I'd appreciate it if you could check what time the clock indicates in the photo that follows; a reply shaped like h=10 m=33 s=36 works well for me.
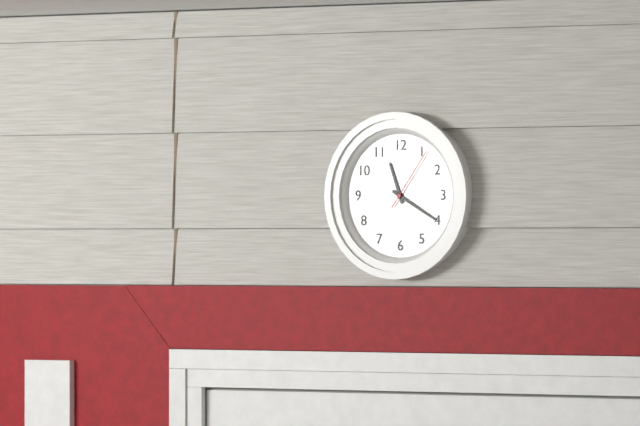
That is h=11 m=20 s=6
